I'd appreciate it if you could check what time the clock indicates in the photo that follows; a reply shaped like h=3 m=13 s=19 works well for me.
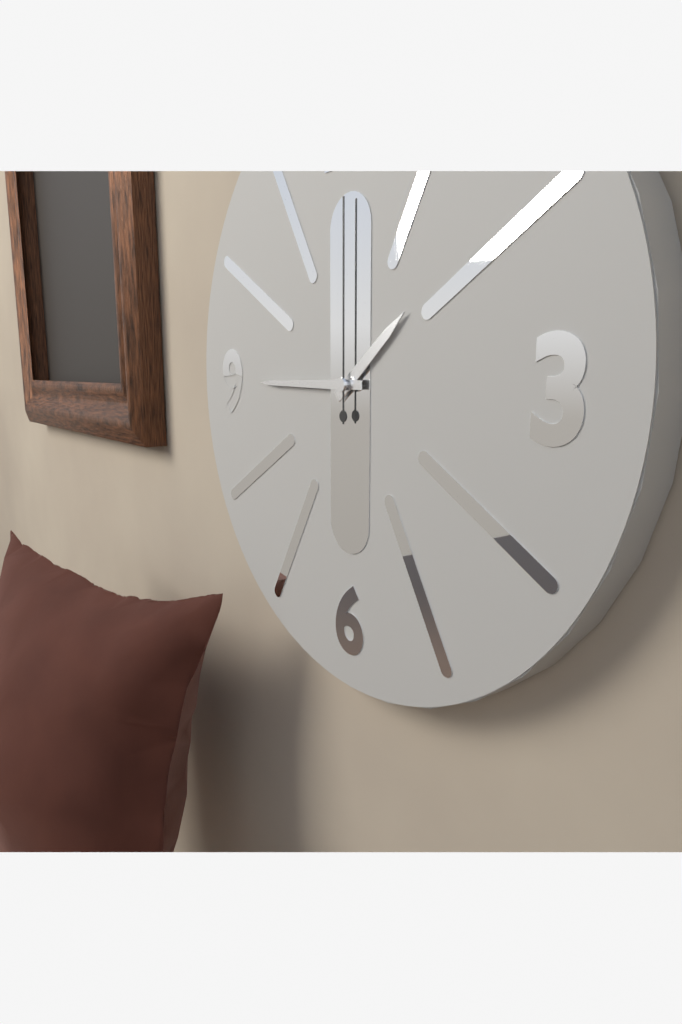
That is h=1 m=45 s=0
